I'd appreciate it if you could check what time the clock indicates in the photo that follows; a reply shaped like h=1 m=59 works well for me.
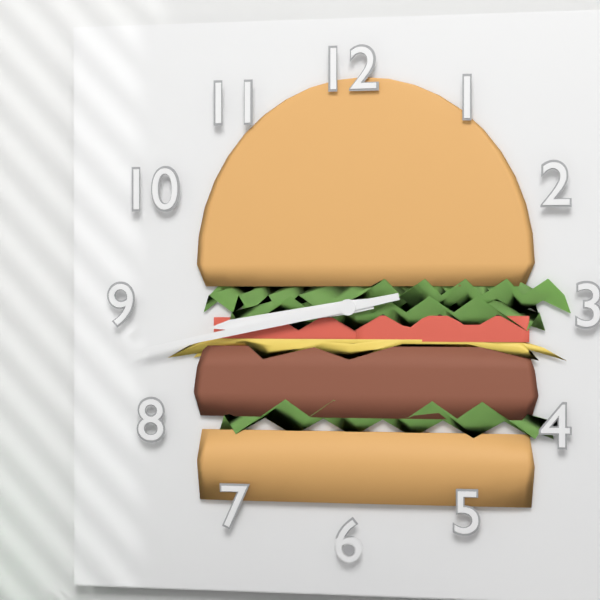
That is h=8 m=43
